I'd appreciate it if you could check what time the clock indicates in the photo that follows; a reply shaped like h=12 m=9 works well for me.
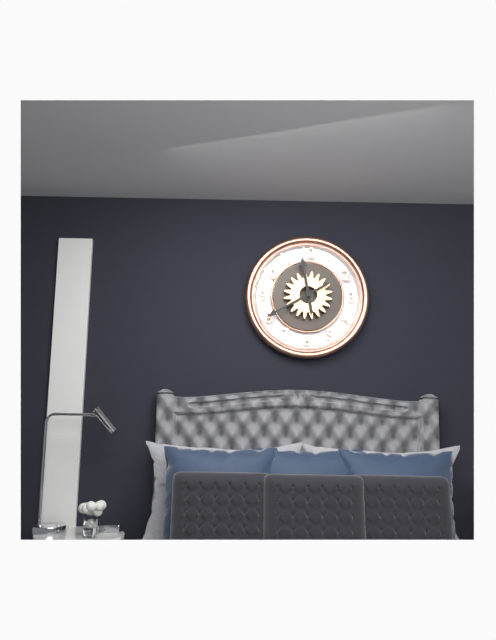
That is h=11 m=40
